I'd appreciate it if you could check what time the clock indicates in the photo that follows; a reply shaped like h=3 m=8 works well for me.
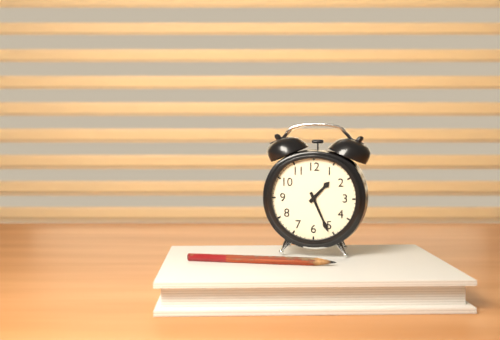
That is h=1 m=26
